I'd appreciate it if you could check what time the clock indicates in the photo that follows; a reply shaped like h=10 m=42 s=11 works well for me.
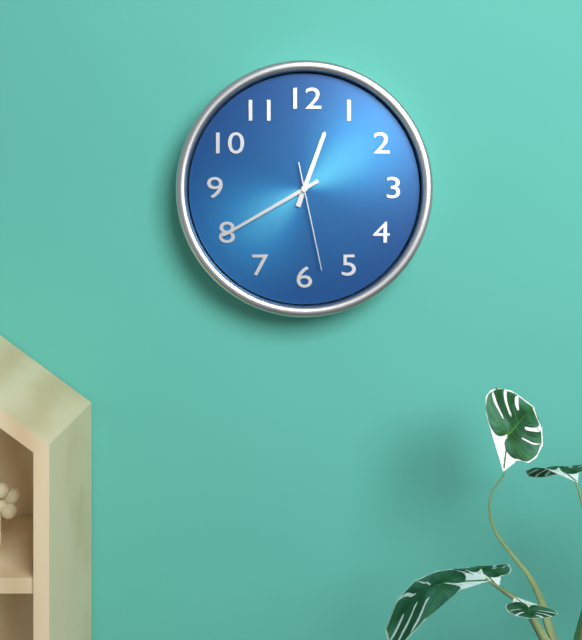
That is h=12 m=40 s=28
